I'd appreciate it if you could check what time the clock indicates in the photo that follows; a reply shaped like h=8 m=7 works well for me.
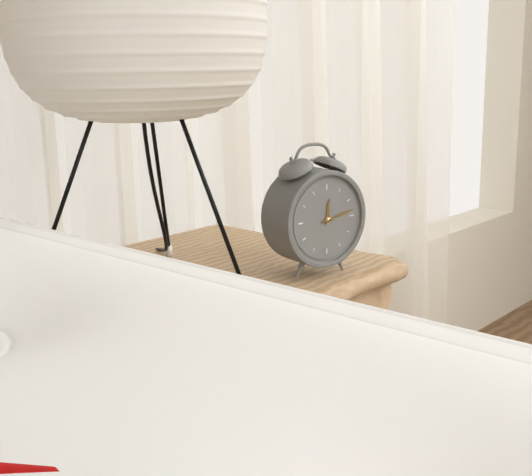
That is h=12 m=13
